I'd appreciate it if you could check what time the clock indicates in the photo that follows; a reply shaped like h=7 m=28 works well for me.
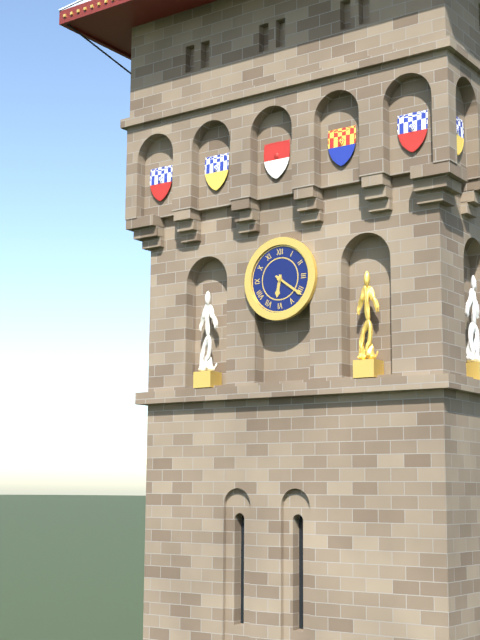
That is h=6 m=21
